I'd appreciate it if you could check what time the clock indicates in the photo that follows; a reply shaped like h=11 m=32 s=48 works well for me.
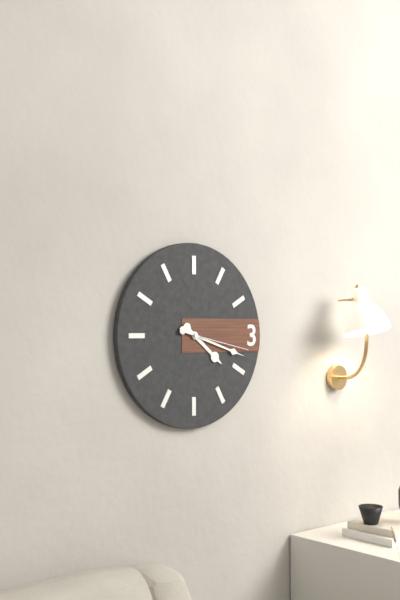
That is h=4 m=18 s=17
